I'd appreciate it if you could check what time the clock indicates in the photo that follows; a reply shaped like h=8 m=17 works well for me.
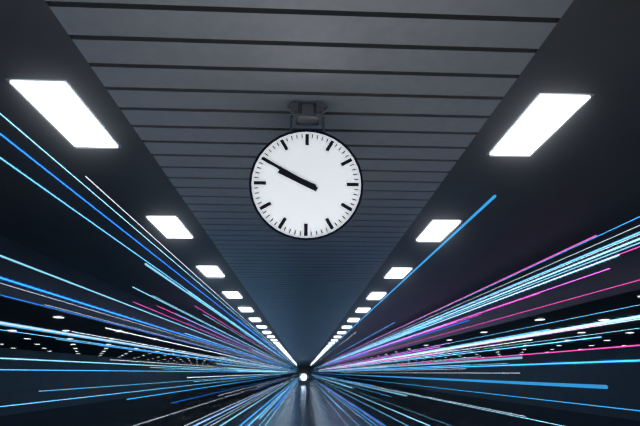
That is h=9 m=50
